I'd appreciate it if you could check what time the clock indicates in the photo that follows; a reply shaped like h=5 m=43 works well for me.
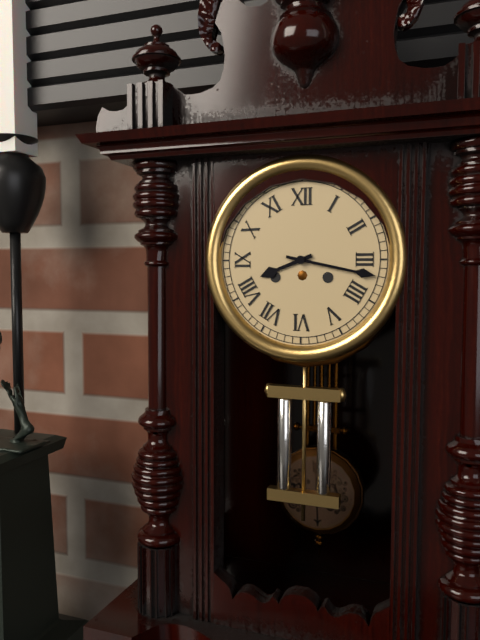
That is h=8 m=17
